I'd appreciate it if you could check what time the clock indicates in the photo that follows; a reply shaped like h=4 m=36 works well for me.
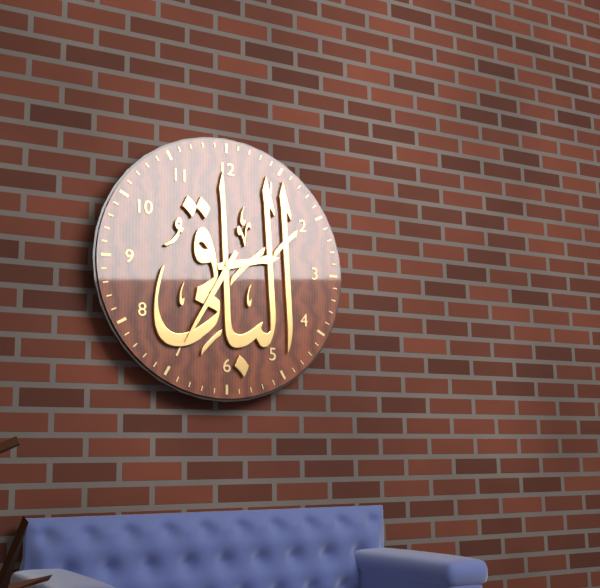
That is h=2 m=35
